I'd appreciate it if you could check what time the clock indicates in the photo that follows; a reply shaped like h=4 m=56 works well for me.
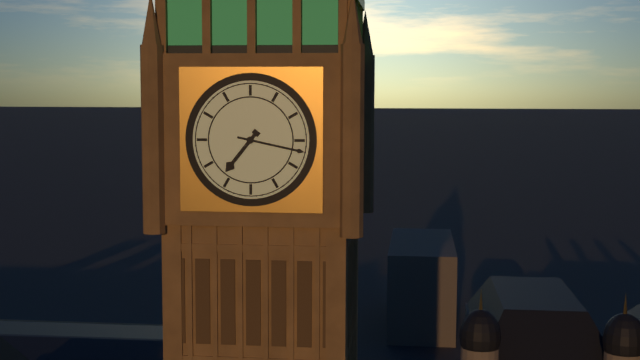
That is h=7 m=17
